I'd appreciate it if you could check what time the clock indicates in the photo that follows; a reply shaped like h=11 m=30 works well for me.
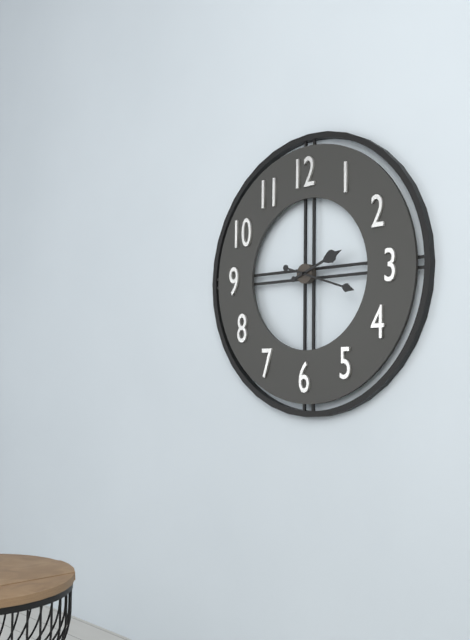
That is h=2 m=18
